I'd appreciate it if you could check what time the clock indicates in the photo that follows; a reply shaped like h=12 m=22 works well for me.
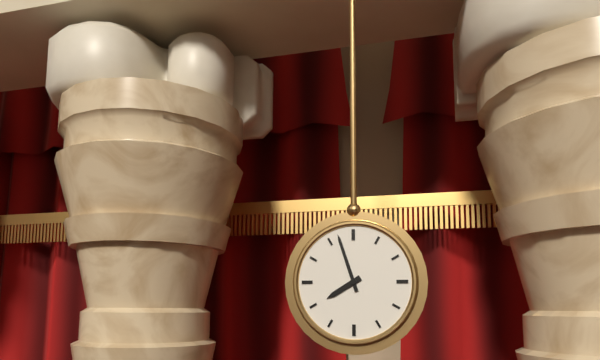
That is h=7 m=57
